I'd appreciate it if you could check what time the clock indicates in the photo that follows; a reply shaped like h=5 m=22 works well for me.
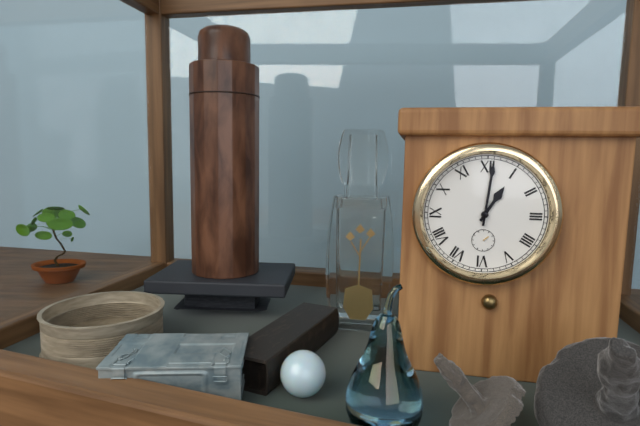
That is h=1 m=1
